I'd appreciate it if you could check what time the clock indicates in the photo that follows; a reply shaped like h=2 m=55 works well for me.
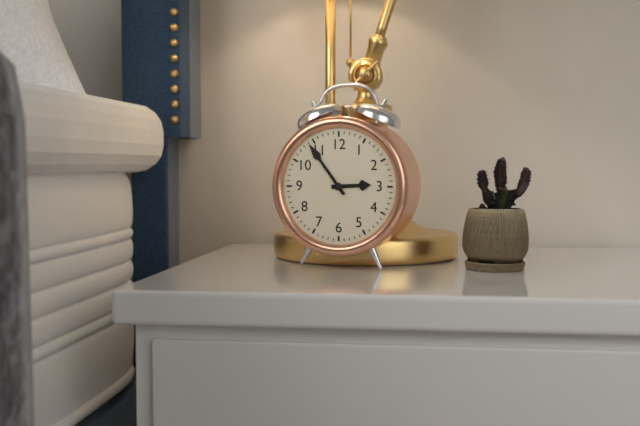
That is h=2 m=54
